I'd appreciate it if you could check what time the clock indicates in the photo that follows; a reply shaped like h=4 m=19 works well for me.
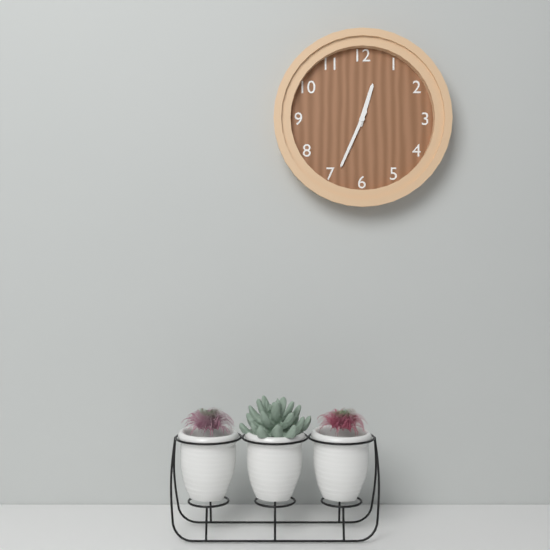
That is h=12 m=34
